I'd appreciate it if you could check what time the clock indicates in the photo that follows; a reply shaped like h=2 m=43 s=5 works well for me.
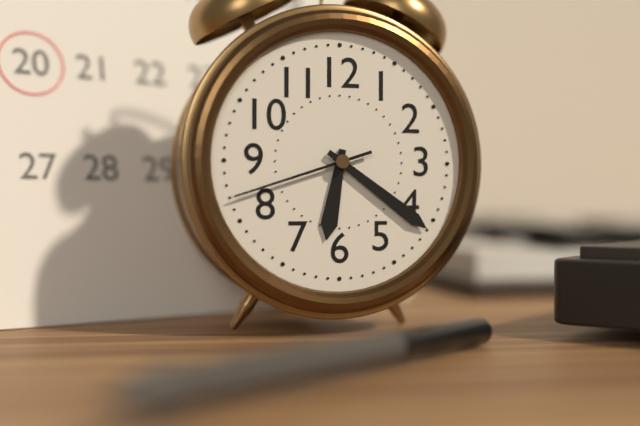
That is h=6 m=21 s=42
